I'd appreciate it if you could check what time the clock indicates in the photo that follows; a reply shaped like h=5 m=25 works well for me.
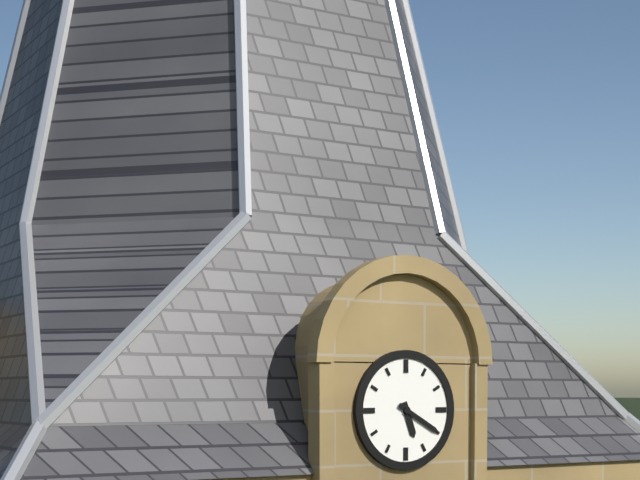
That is h=5 m=20
